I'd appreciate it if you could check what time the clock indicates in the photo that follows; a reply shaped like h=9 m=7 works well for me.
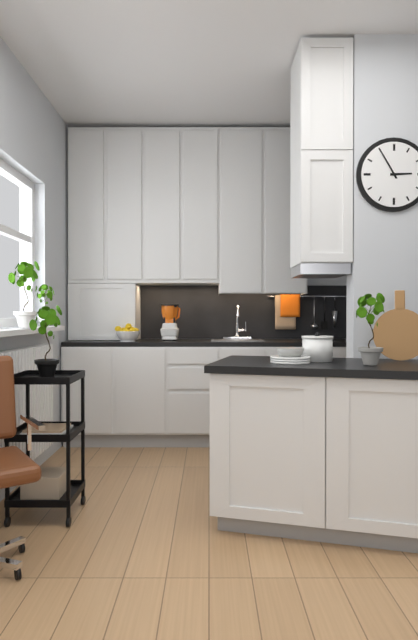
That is h=2 m=55
